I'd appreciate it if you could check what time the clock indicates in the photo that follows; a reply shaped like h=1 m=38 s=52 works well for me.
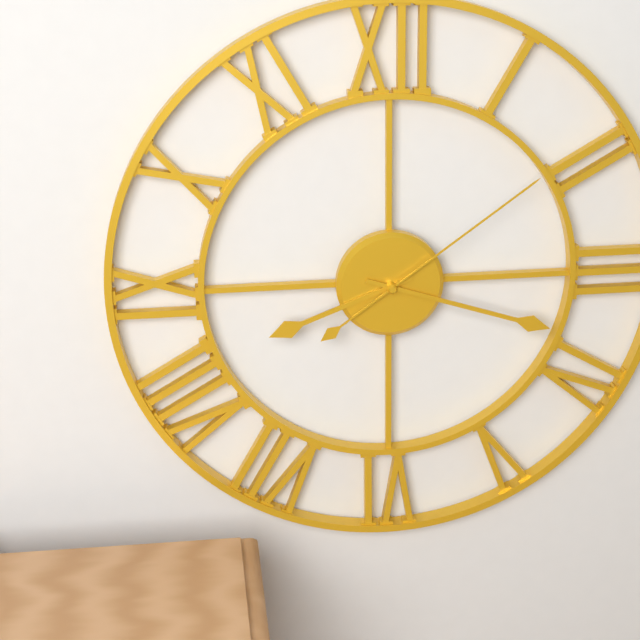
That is h=8 m=18 s=9
